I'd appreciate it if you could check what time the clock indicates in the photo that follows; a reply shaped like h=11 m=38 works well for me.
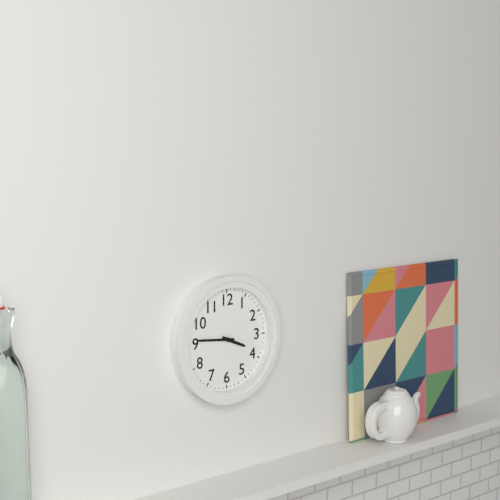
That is h=3 m=46
